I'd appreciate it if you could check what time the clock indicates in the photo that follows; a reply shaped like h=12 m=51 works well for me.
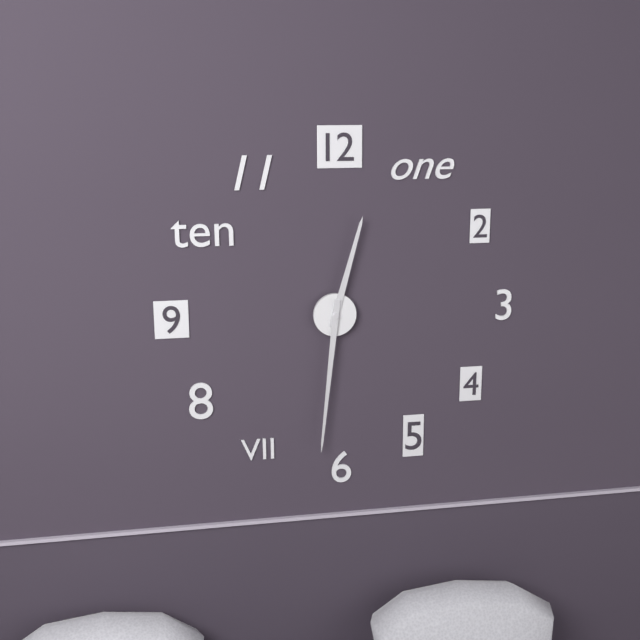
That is h=12 m=31
